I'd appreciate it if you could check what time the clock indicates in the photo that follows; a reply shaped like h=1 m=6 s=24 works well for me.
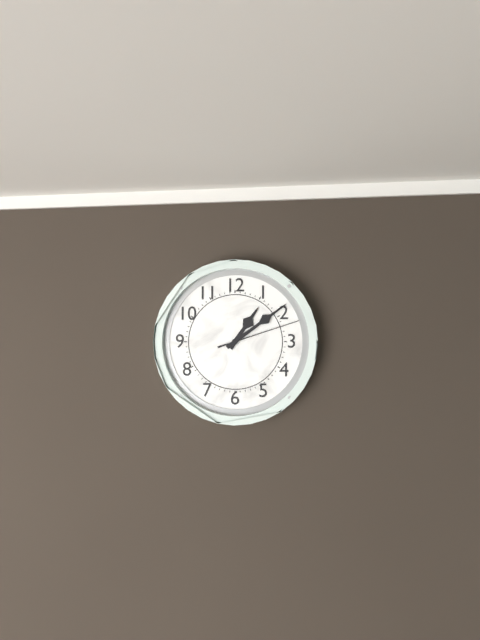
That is h=1 m=9 s=12
